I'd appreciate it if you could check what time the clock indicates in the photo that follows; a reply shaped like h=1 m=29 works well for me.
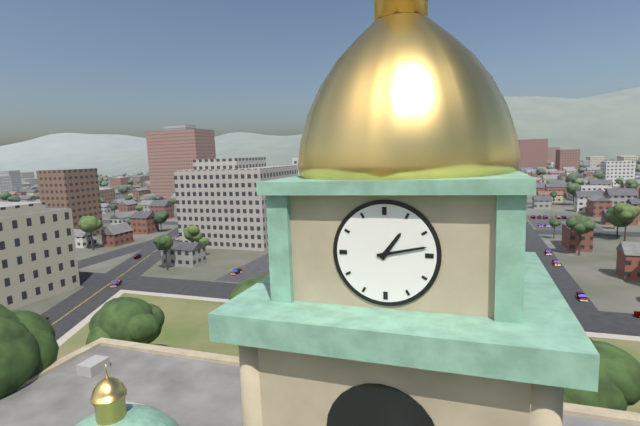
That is h=1 m=13
